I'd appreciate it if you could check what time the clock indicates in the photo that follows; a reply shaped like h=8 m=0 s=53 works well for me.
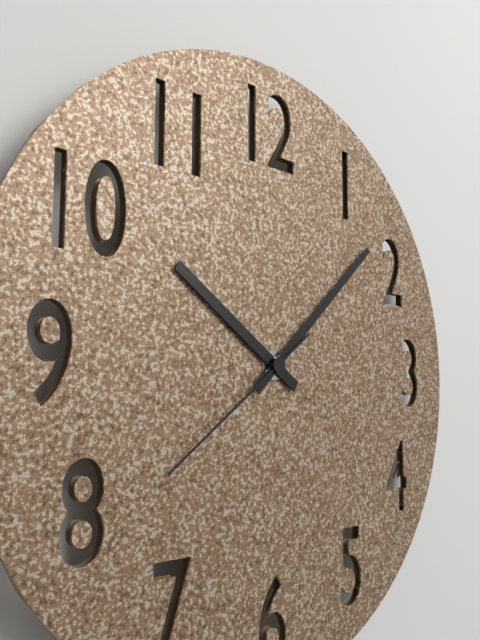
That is h=10 m=8 s=39
